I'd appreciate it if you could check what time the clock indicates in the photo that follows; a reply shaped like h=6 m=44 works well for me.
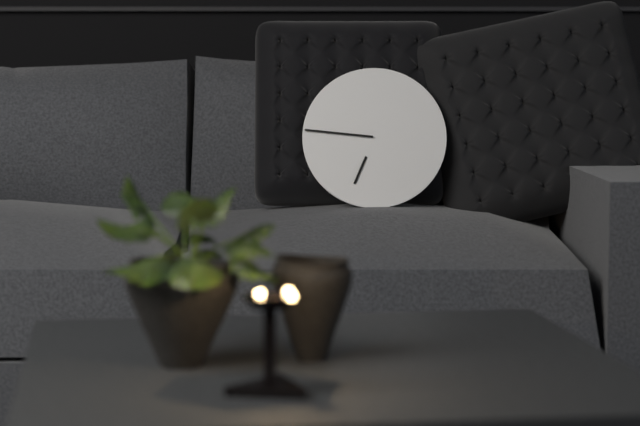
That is h=6 m=46
